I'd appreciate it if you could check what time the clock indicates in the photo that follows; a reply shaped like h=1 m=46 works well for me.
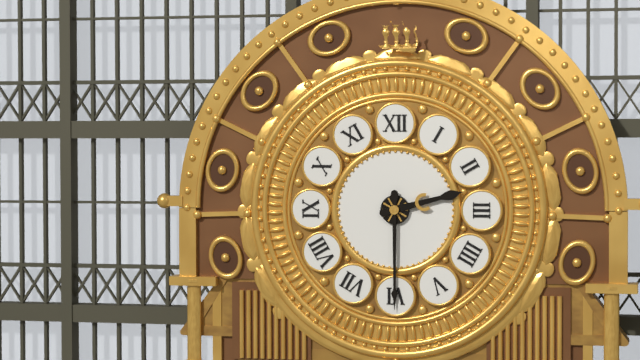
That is h=2 m=30
